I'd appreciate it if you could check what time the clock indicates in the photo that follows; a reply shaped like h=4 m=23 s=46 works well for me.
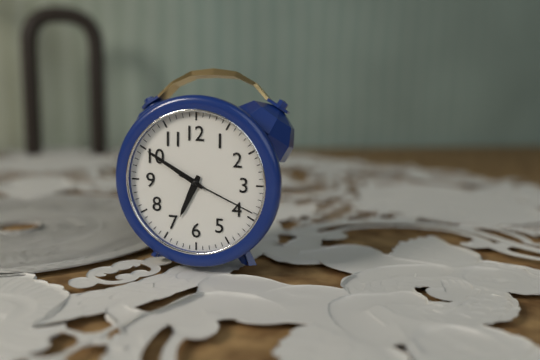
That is h=6 m=50 s=19
